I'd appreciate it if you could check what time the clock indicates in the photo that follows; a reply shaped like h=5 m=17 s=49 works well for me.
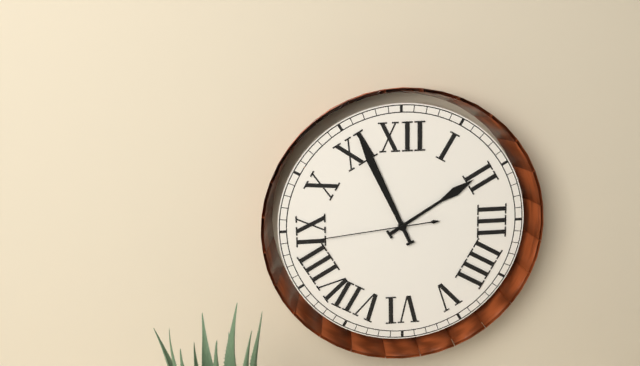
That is h=1 m=56 s=44
